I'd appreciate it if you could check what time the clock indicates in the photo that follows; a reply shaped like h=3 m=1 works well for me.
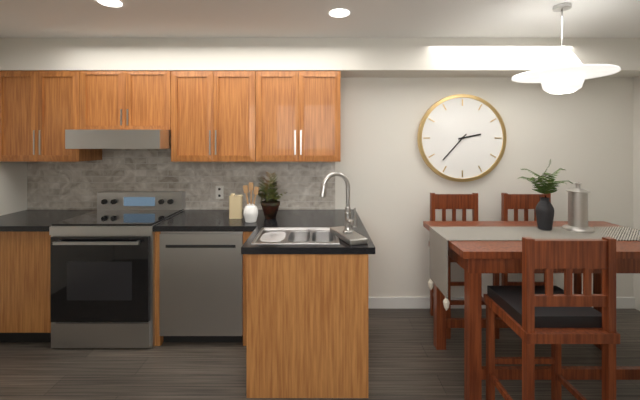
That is h=2 m=37
